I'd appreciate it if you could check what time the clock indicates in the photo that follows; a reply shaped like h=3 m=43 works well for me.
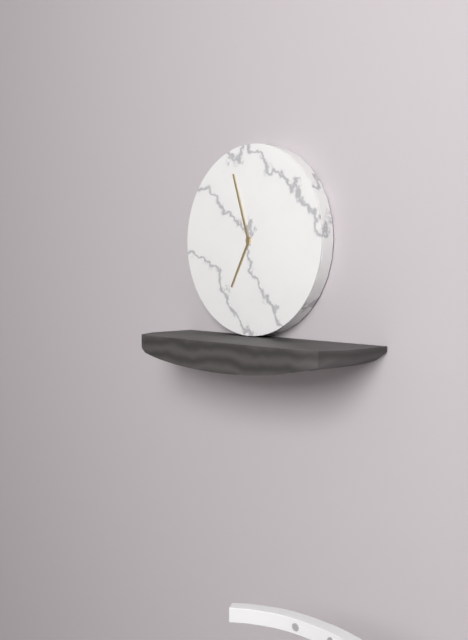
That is h=6 m=57
